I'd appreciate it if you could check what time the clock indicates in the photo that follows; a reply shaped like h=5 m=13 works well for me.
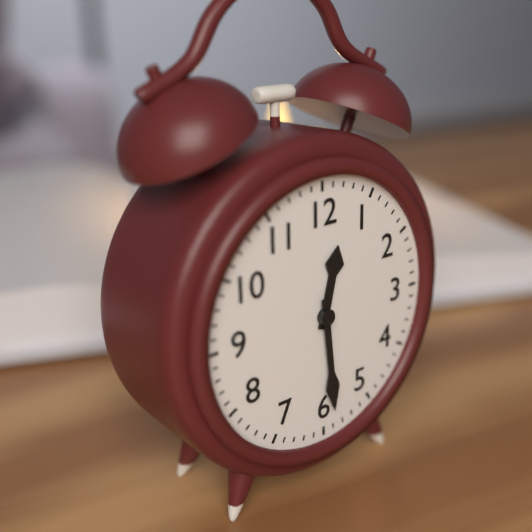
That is h=12 m=29
